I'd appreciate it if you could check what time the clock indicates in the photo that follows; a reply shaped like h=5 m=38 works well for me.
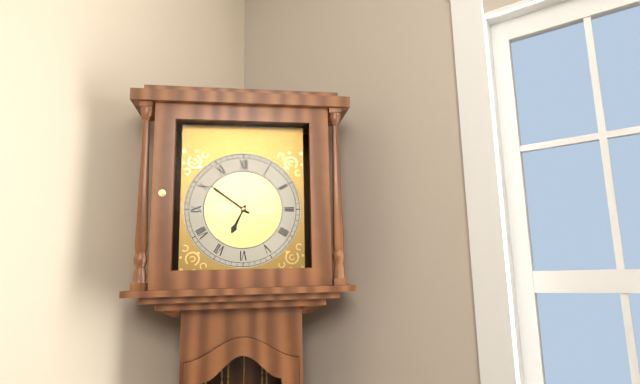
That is h=6 m=51
